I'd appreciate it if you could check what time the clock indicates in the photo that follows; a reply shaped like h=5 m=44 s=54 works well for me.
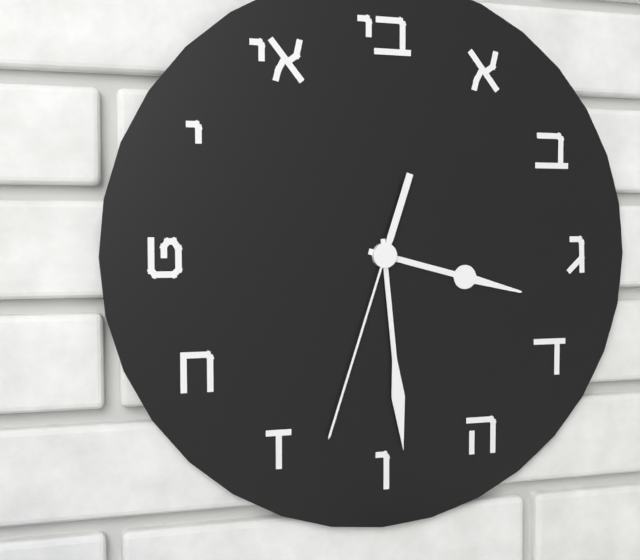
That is h=3 m=29 s=33
